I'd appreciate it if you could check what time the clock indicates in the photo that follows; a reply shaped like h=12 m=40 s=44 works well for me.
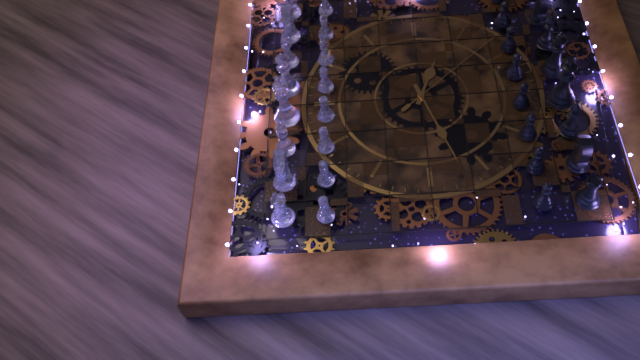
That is h=3 m=42 s=23
